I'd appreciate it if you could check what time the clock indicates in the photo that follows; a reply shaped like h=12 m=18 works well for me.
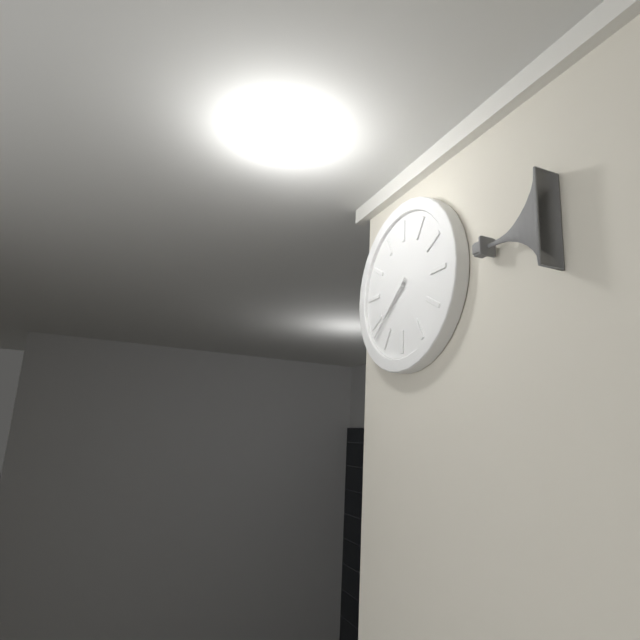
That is h=7 m=38
